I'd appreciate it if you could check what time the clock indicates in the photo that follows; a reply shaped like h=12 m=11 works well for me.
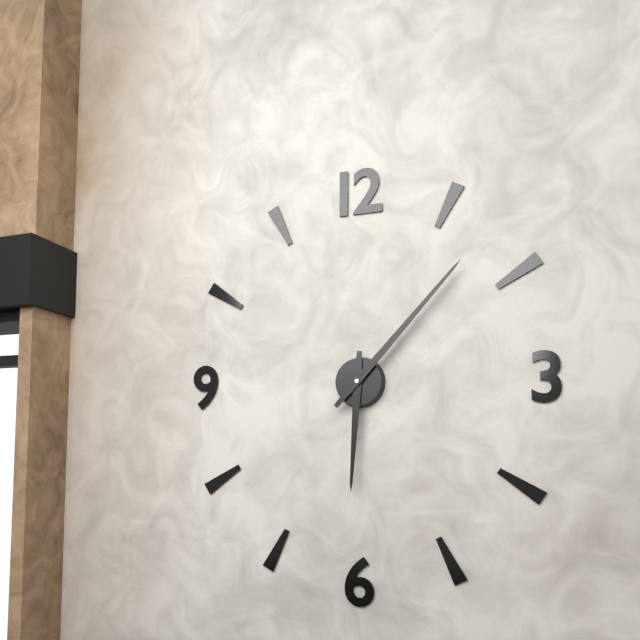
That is h=6 m=7
